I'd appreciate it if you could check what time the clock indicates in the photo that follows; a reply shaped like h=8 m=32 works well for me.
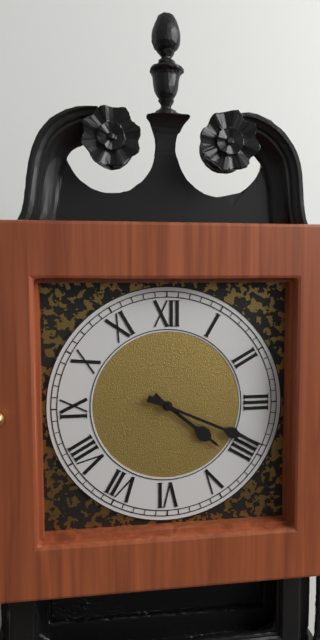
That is h=4 m=19
